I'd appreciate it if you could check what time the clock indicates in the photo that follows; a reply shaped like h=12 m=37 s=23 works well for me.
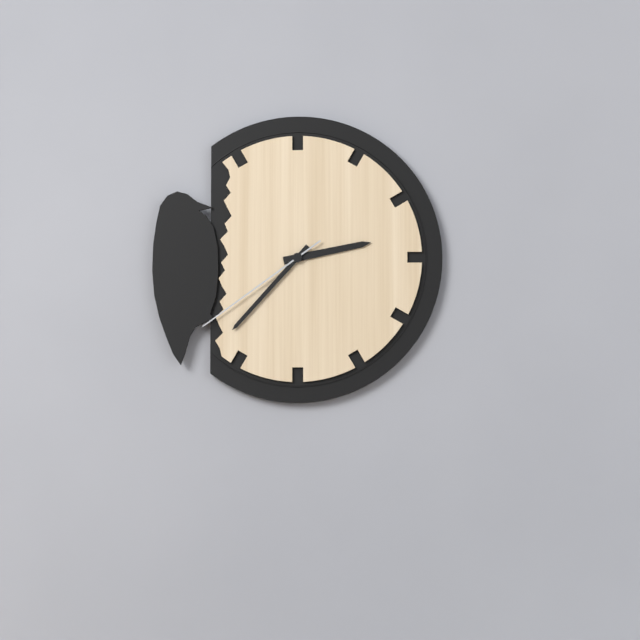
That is h=2 m=37 s=39
